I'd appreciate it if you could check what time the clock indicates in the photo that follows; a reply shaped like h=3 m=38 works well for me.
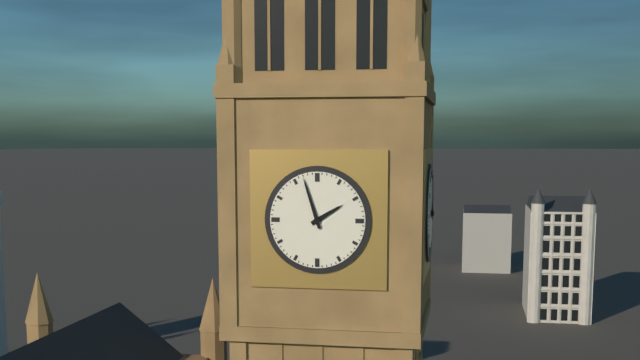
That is h=1 m=57
